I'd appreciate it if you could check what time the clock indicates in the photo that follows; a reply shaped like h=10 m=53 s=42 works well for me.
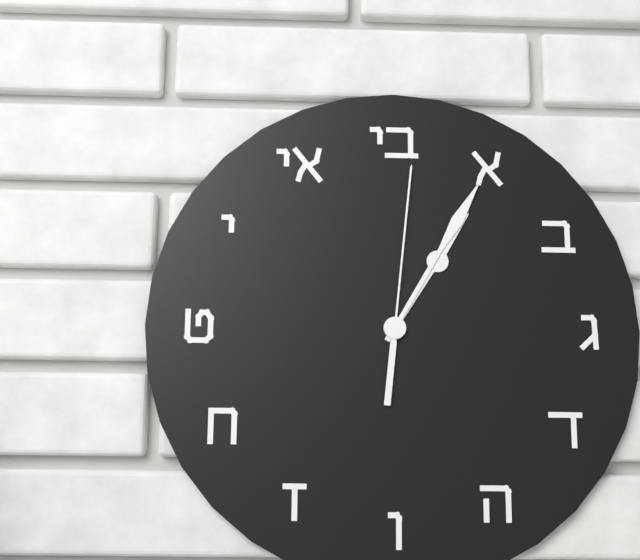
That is h=1 m=5 s=1
